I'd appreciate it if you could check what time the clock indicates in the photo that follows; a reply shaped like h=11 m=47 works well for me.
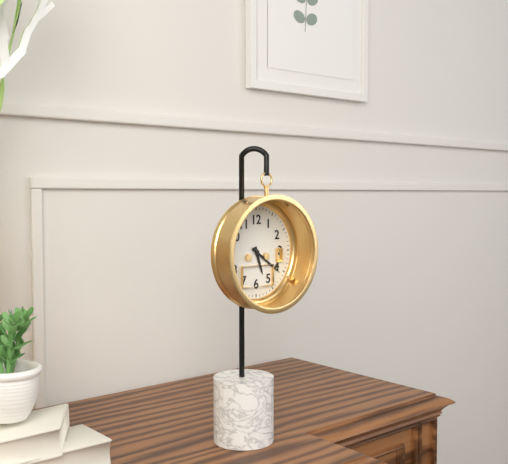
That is h=5 m=21
